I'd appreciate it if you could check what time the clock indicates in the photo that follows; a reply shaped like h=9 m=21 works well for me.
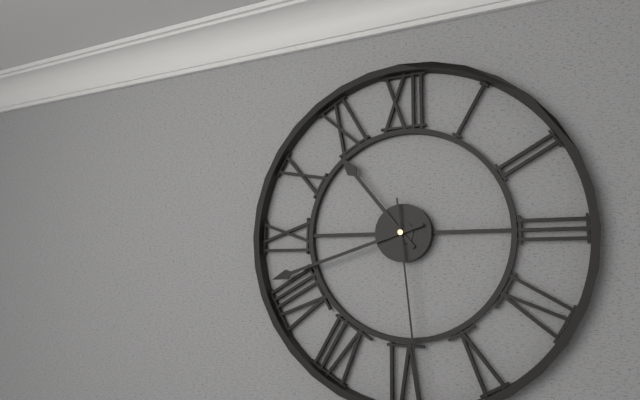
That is h=10 m=42
